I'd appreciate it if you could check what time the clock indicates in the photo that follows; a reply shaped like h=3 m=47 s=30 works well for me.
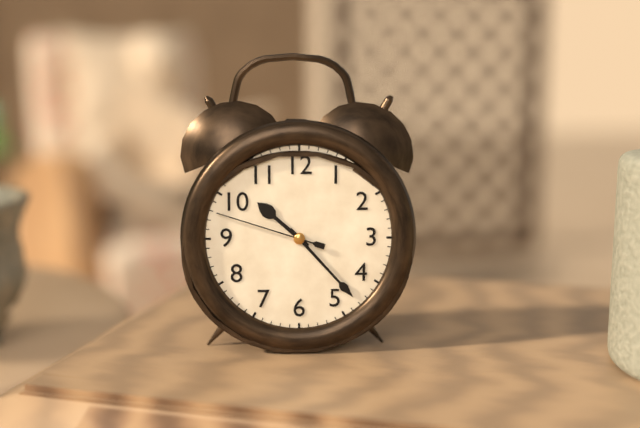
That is h=10 m=23 s=48
